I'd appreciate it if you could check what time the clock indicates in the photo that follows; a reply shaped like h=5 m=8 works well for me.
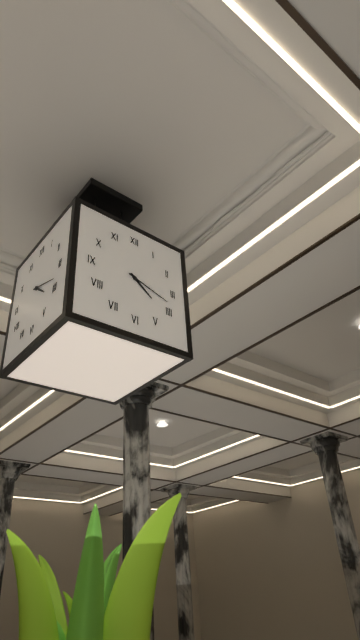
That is h=4 m=18
